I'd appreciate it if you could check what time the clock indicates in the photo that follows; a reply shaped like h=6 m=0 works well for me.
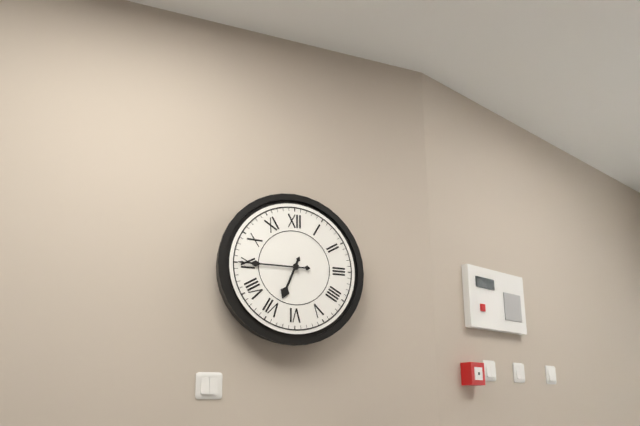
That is h=6 m=45
